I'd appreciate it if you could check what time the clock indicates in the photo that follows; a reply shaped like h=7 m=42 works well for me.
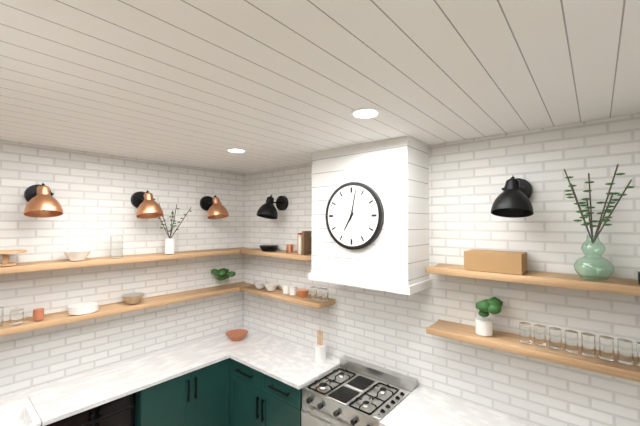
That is h=7 m=2
